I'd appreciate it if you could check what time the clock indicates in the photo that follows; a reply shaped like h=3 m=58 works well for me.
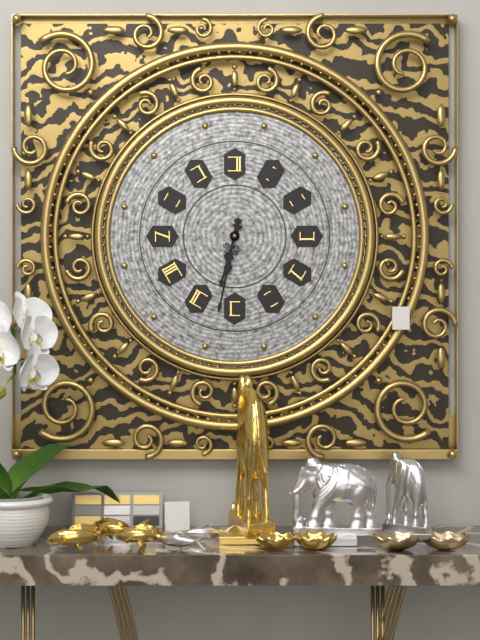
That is h=6 m=32
